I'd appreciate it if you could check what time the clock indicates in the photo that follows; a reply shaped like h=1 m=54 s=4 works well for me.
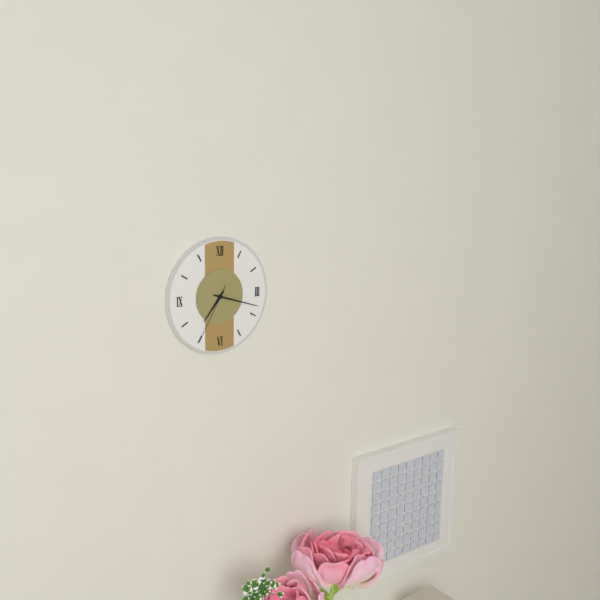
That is h=7 m=18 s=35
